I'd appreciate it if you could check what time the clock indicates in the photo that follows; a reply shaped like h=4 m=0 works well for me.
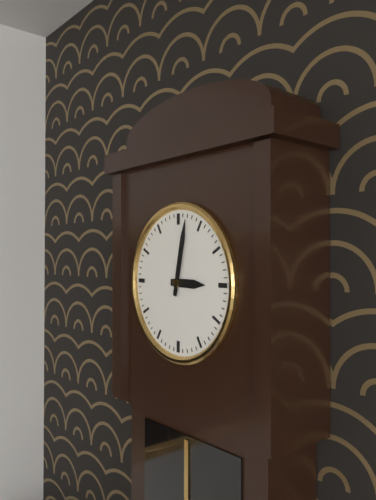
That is h=3 m=2
